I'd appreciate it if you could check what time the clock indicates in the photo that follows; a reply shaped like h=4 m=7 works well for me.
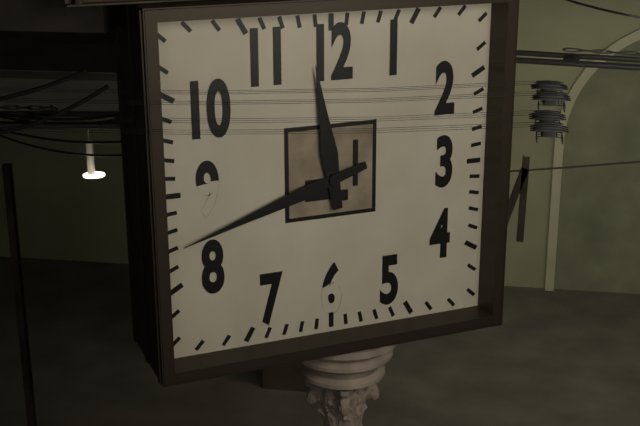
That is h=11 m=42
